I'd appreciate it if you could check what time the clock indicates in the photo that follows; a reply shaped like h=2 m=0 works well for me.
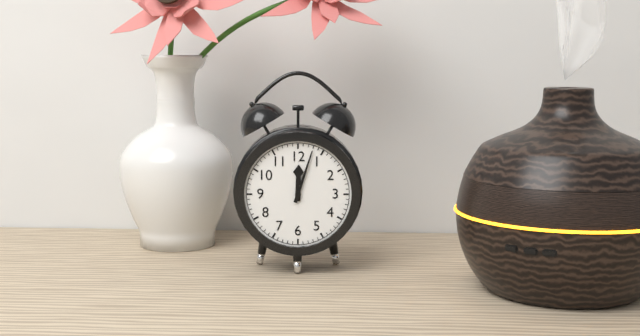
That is h=12 m=3
